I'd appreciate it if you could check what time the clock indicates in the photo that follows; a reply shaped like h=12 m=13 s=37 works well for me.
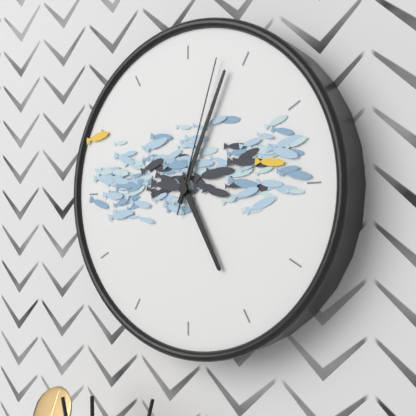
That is h=5 m=4 s=3
